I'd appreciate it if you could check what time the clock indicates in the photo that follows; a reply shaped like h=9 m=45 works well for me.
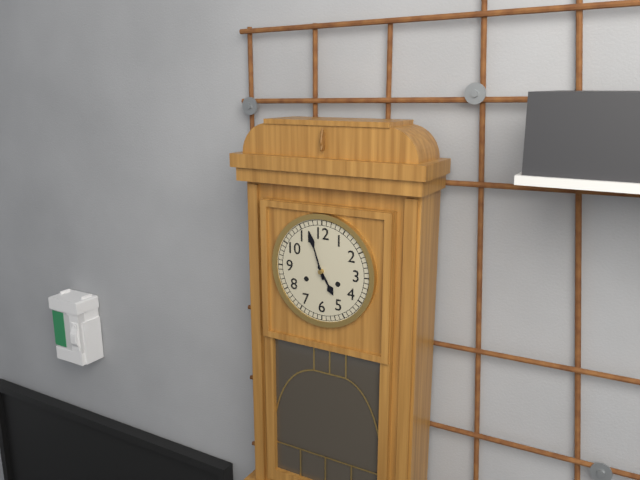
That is h=4 m=57
